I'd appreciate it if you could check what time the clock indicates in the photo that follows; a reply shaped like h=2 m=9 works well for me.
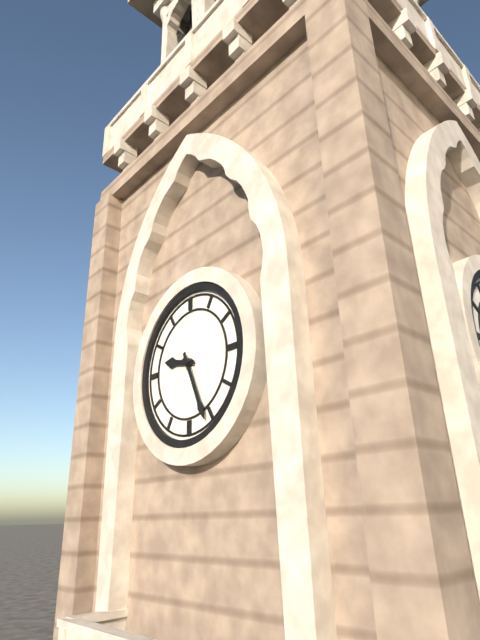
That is h=9 m=26
